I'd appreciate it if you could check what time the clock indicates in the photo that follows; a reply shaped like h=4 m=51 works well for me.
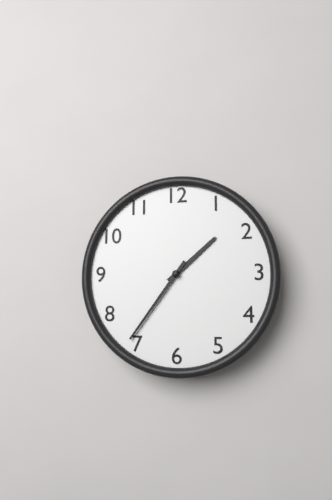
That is h=1 m=36
